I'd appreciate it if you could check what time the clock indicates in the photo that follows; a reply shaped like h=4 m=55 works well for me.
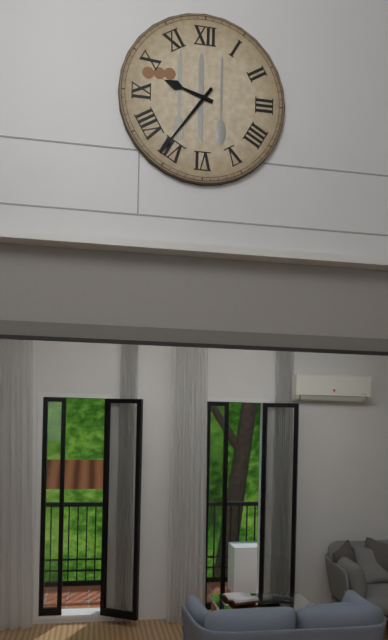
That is h=9 m=36
